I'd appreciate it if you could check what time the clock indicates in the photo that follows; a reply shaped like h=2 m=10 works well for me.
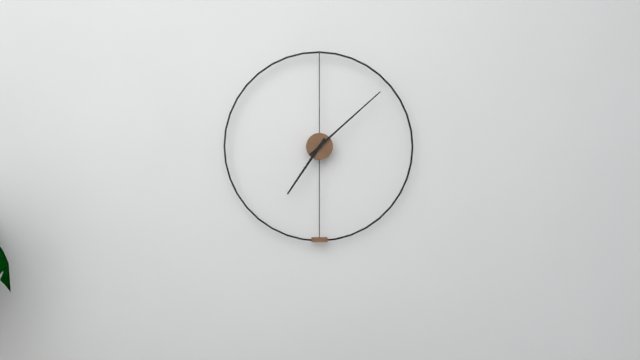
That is h=7 m=8
